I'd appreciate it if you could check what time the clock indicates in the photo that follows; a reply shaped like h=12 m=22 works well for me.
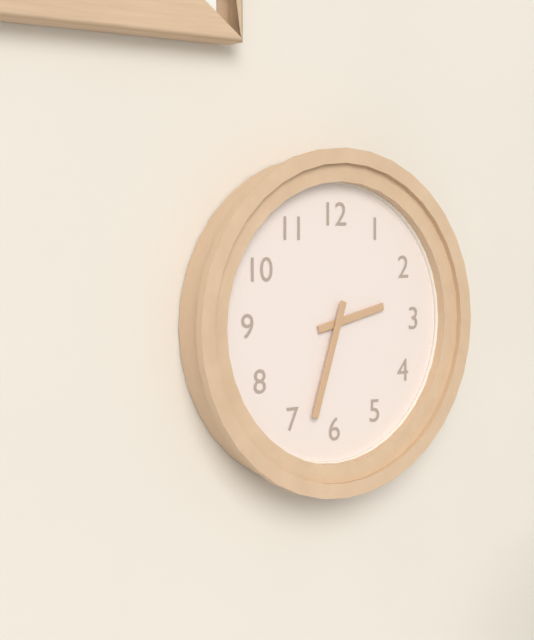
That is h=2 m=33
